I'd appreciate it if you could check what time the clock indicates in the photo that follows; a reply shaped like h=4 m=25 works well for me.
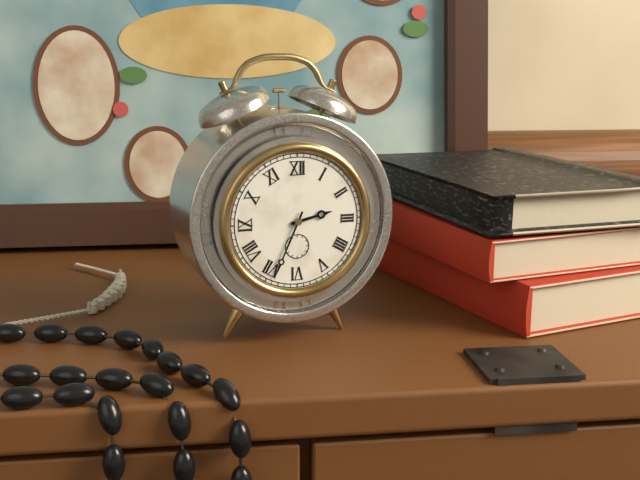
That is h=2 m=34
